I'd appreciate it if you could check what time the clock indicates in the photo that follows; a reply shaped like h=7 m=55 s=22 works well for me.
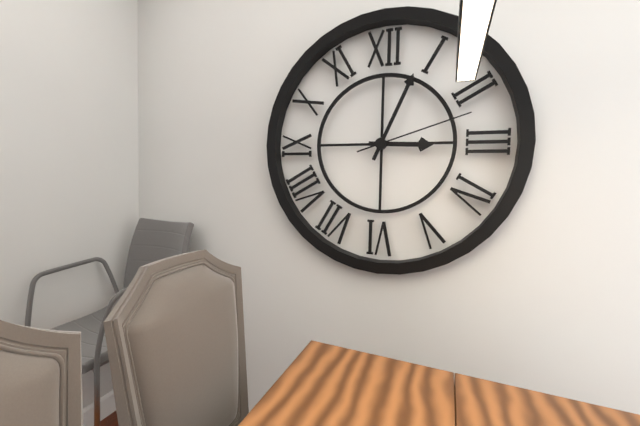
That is h=3 m=4 s=12
